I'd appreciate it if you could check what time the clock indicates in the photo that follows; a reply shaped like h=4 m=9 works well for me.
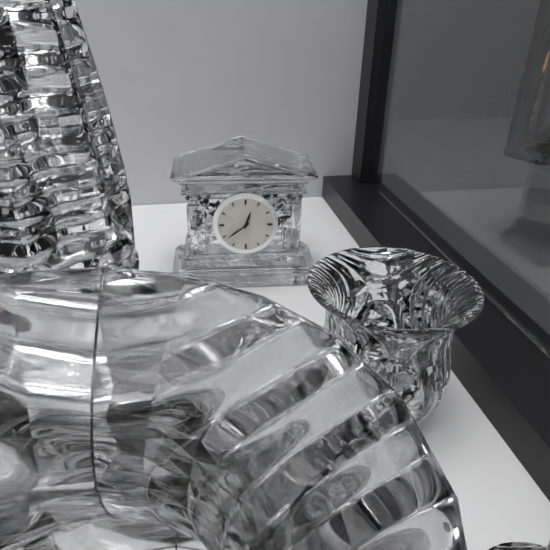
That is h=12 m=39
